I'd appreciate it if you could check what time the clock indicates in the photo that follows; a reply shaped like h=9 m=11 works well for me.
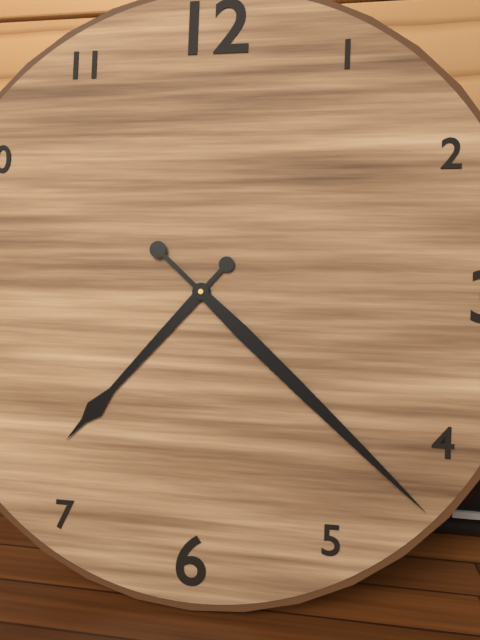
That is h=7 m=22
